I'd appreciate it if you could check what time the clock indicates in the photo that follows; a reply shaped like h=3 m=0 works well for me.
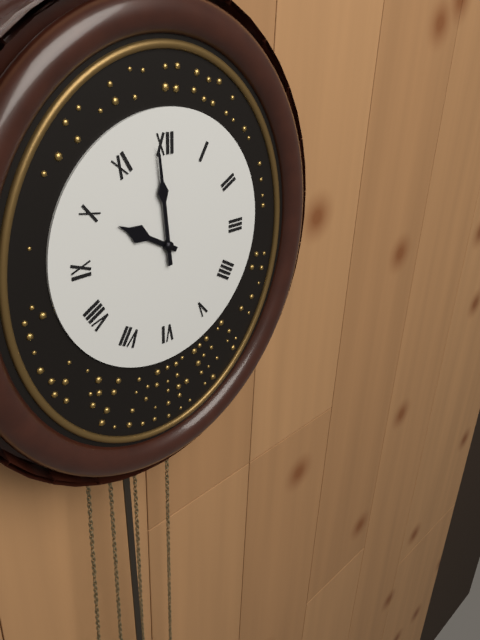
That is h=9 m=59
